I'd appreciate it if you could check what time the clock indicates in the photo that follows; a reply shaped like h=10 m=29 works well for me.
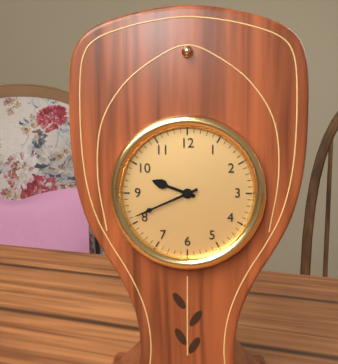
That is h=9 m=41
